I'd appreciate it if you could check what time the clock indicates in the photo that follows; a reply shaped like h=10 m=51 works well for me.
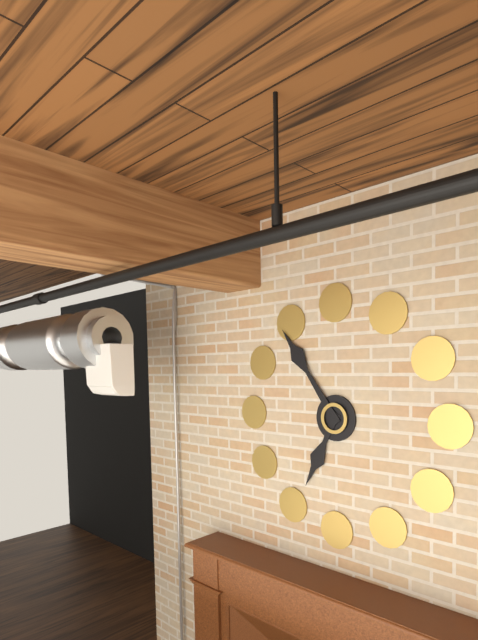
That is h=6 m=54
